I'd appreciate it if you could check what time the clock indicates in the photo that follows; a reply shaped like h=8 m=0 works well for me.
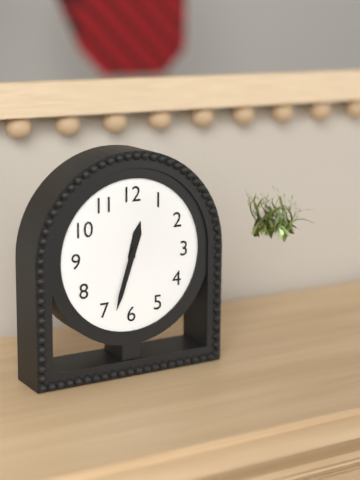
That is h=12 m=33
